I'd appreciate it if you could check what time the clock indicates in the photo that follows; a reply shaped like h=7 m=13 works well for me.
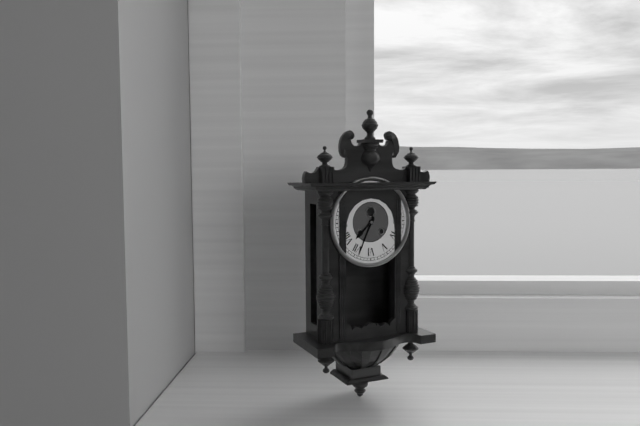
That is h=7 m=34
